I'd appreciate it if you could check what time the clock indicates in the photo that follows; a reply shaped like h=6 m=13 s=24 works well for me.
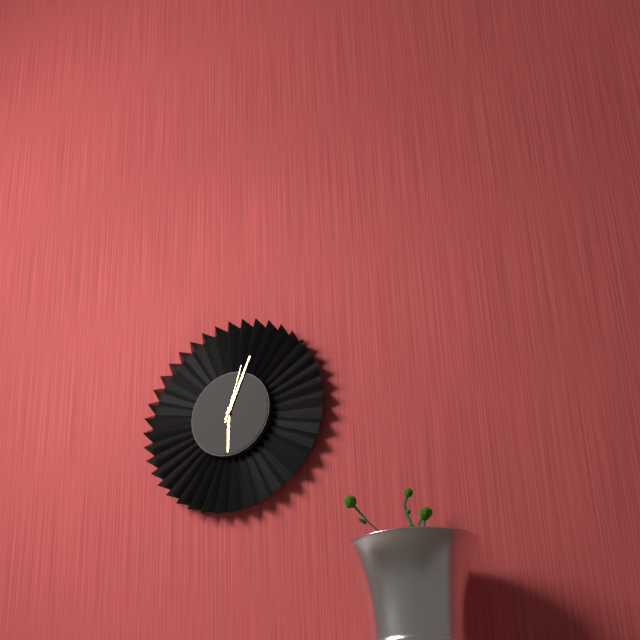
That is h=6 m=4 s=3
